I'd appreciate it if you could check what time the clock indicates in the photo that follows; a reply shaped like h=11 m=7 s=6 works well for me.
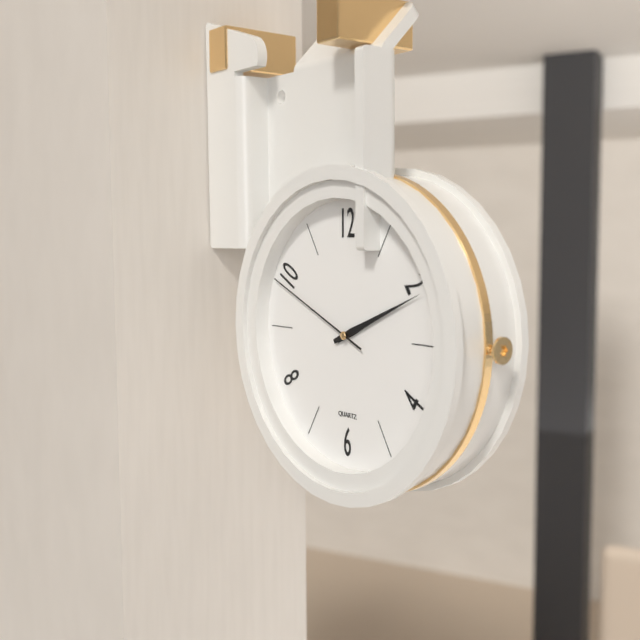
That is h=2 m=11 s=49
